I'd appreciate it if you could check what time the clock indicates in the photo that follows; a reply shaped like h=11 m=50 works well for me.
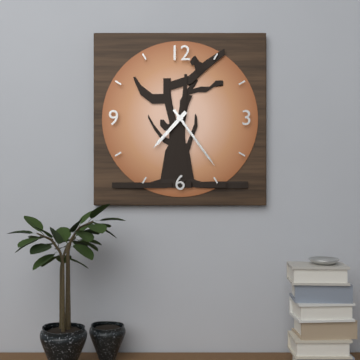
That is h=7 m=24
